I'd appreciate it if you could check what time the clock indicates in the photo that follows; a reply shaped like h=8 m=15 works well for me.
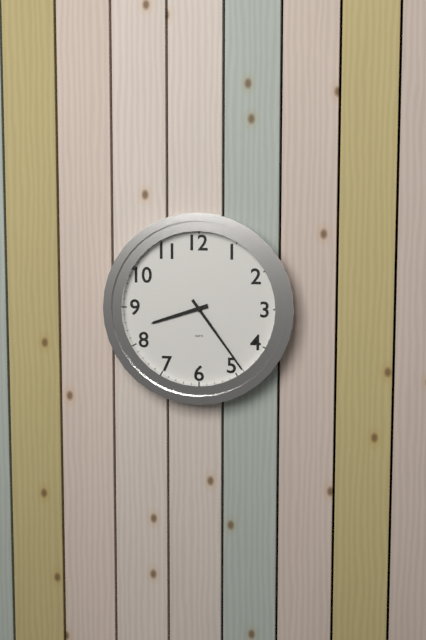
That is h=8 m=24
